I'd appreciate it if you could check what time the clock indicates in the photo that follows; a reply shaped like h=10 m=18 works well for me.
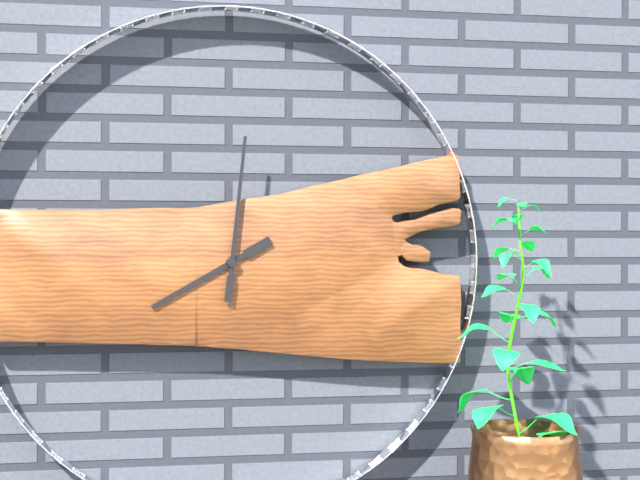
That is h=8 m=1
